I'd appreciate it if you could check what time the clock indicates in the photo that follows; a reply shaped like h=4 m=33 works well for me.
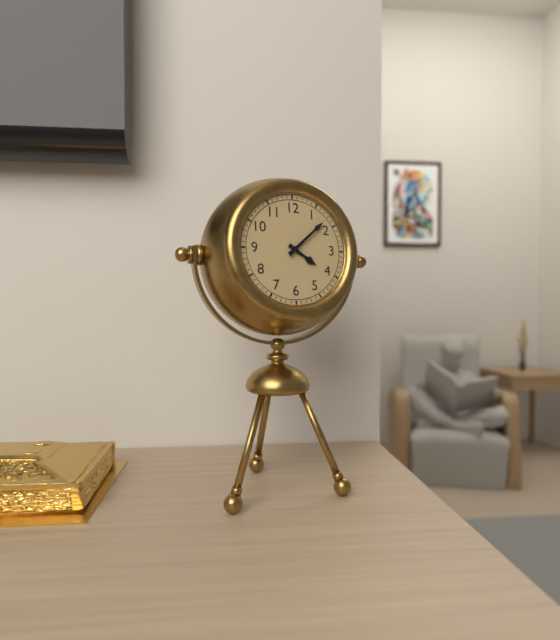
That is h=4 m=8
